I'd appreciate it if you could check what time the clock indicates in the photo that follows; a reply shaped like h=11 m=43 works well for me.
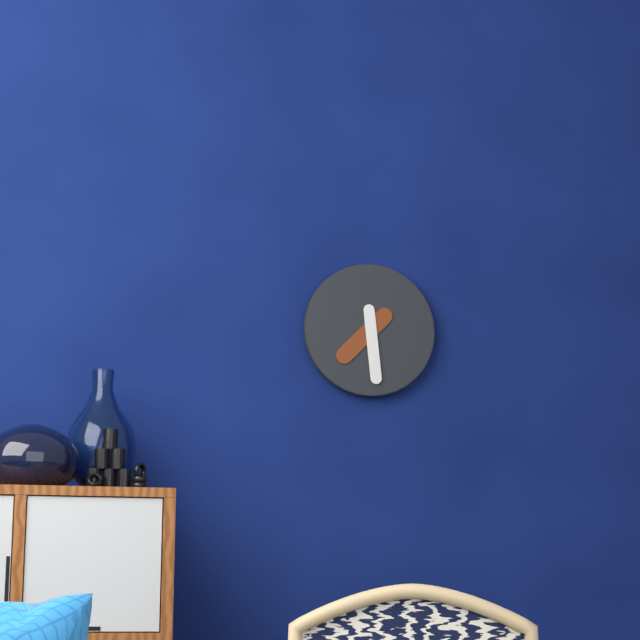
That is h=7 m=29
